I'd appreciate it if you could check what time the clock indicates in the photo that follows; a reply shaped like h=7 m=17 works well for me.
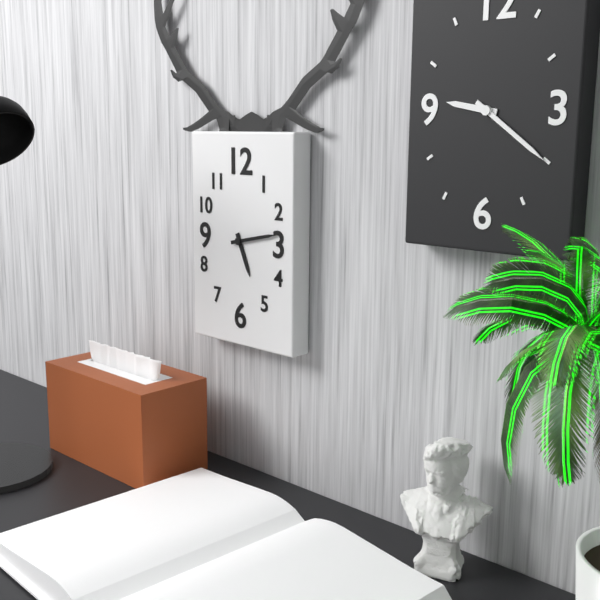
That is h=5 m=13
